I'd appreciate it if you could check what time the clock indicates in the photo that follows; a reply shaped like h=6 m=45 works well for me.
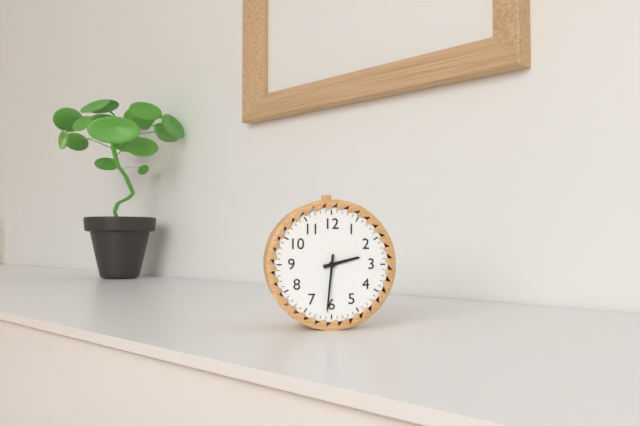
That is h=2 m=31
